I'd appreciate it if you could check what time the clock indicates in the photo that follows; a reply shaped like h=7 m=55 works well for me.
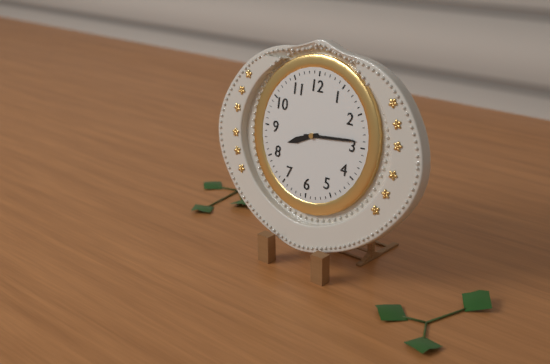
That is h=8 m=14
